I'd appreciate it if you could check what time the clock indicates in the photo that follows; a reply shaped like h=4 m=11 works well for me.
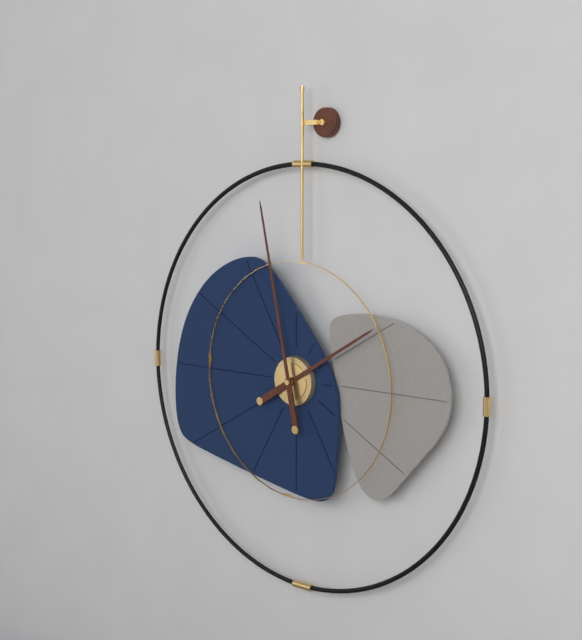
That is h=1 m=58
